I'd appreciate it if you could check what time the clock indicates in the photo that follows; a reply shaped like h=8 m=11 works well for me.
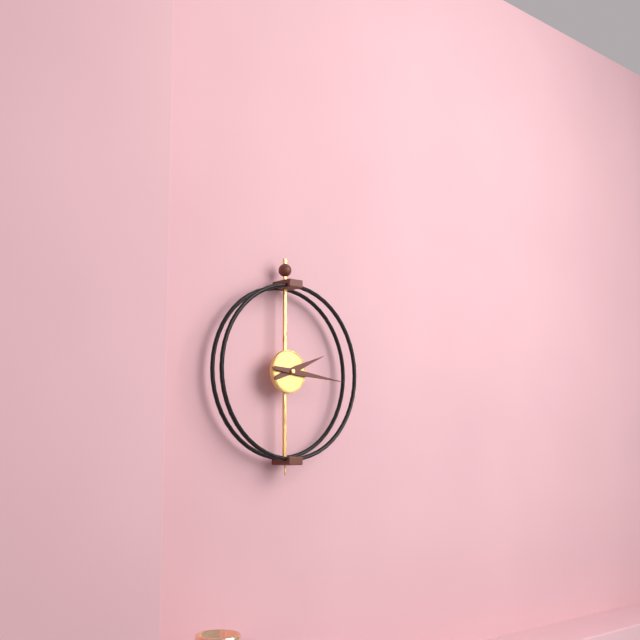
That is h=2 m=16
